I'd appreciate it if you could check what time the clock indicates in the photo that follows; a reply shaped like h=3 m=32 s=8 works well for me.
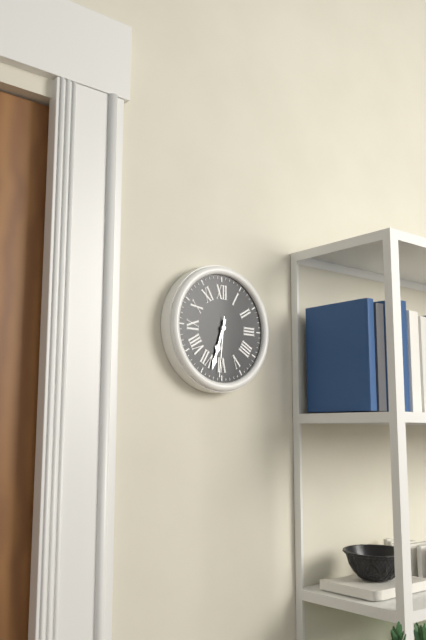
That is h=6 m=33 s=31
